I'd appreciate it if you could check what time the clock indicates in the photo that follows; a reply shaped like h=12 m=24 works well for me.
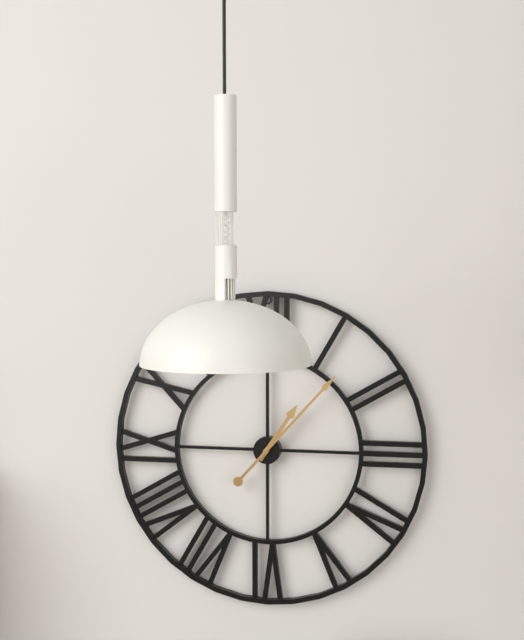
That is h=1 m=7
